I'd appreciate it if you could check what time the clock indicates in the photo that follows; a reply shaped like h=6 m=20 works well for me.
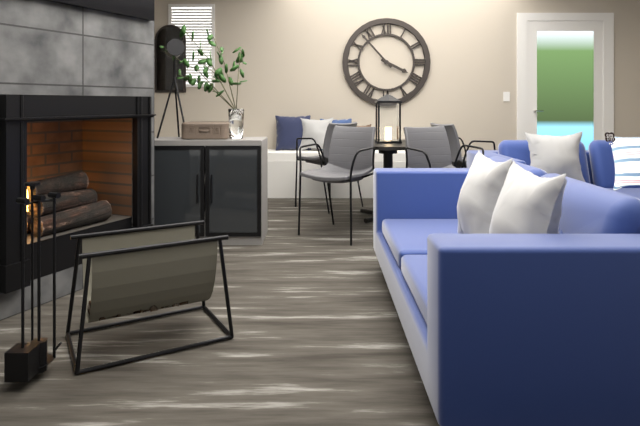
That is h=3 m=53
